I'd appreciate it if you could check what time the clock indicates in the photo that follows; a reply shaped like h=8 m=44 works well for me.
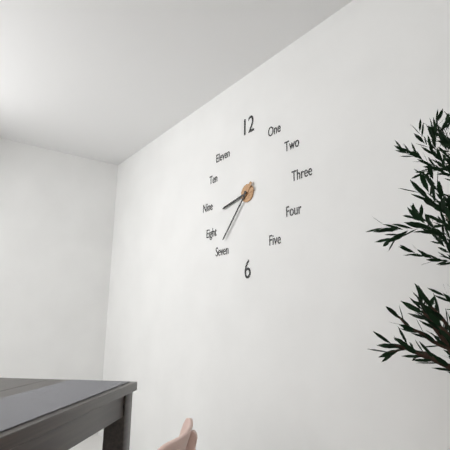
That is h=8 m=37
